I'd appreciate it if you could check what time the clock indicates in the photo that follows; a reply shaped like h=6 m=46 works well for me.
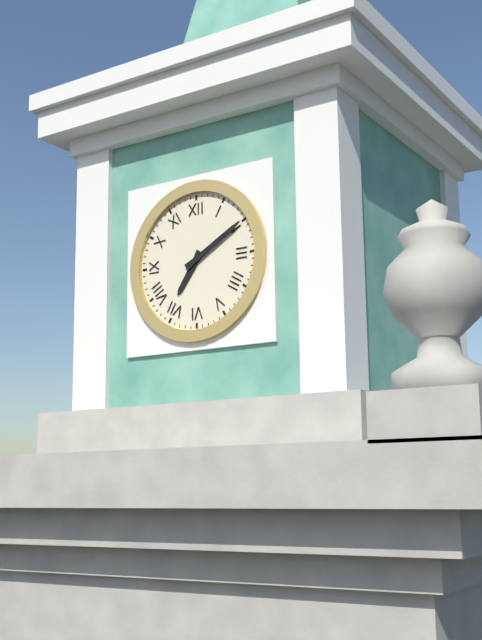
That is h=7 m=10
